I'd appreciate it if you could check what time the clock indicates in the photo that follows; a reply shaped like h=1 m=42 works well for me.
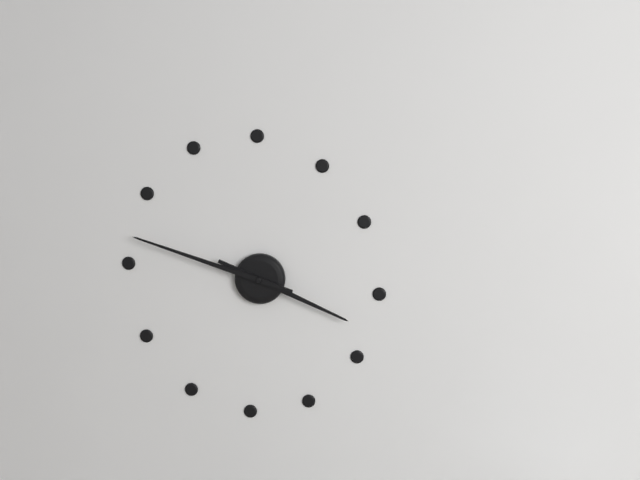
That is h=3 m=48
